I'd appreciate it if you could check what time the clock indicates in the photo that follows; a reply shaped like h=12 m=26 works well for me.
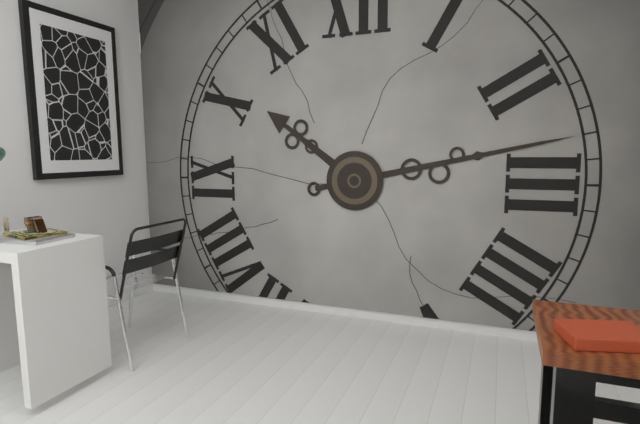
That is h=10 m=13
